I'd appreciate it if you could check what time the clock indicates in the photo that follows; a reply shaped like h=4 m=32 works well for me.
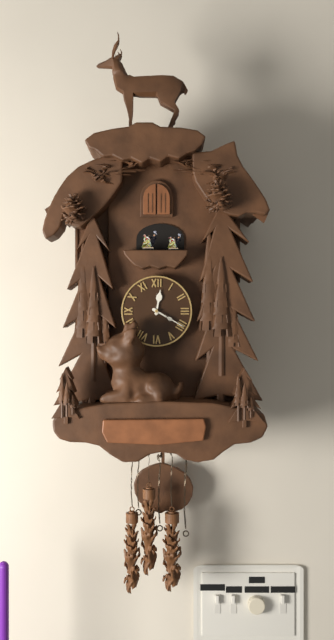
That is h=12 m=20
